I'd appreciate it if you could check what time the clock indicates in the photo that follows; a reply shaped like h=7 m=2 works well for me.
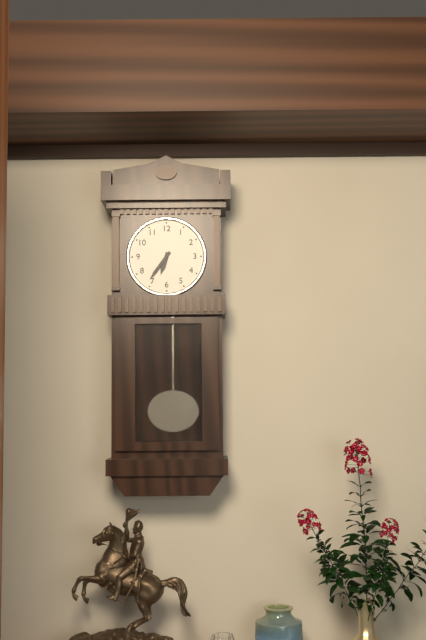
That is h=6 m=36
